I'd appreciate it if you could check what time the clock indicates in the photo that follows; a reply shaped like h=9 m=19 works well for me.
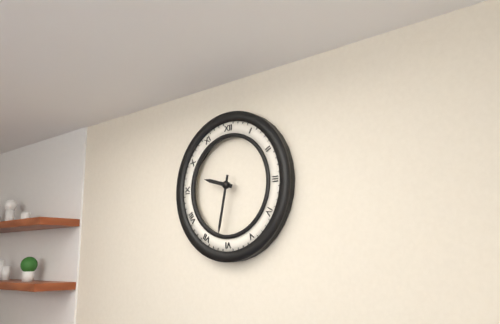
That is h=9 m=32
